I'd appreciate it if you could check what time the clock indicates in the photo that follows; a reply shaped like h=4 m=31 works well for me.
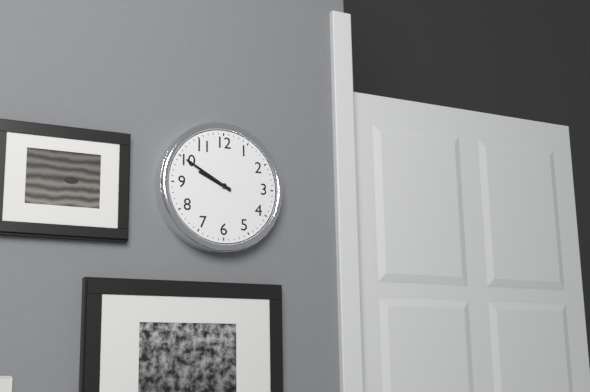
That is h=9 m=50
